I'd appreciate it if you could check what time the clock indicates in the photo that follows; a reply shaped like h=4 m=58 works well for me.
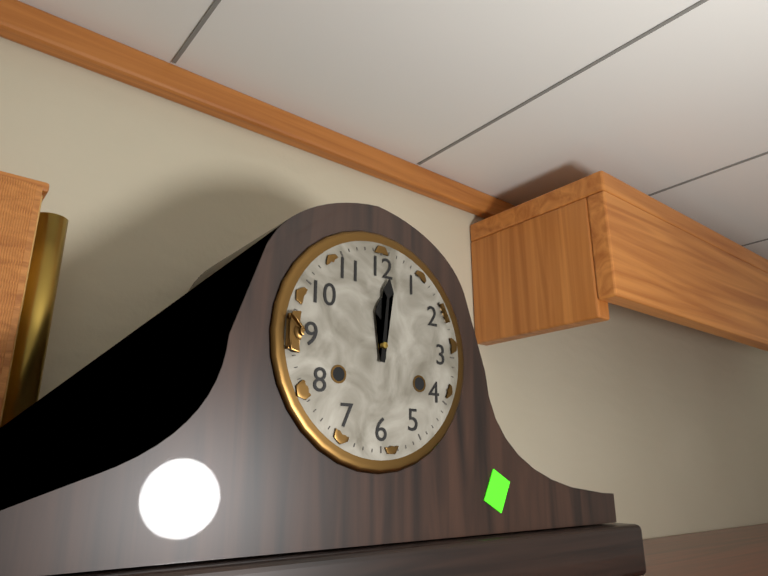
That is h=12 m=1
